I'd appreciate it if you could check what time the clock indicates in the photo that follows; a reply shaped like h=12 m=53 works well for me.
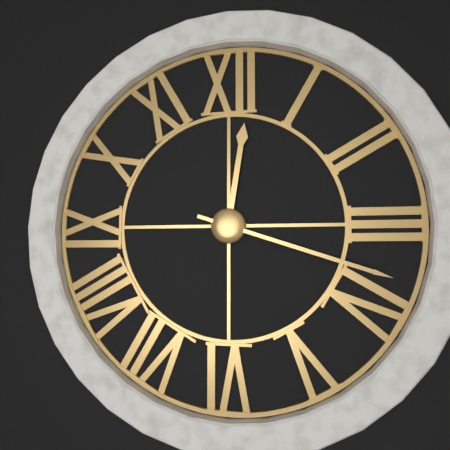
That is h=12 m=18
